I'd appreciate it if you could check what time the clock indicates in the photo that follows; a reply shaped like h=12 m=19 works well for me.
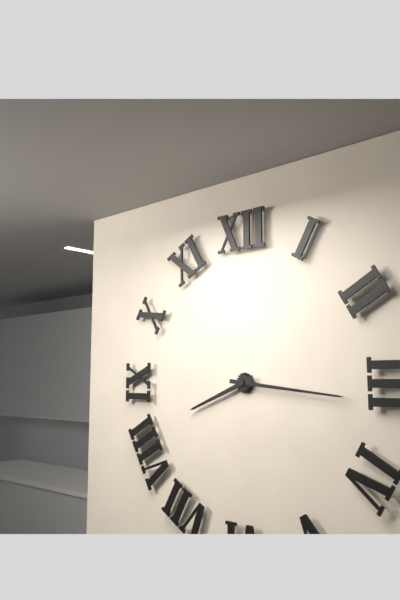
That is h=8 m=16
